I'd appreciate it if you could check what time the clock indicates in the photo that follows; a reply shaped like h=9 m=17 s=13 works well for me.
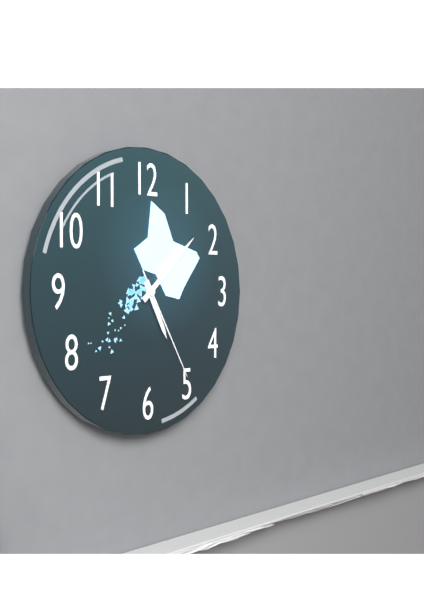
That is h=5 m=8 s=25
